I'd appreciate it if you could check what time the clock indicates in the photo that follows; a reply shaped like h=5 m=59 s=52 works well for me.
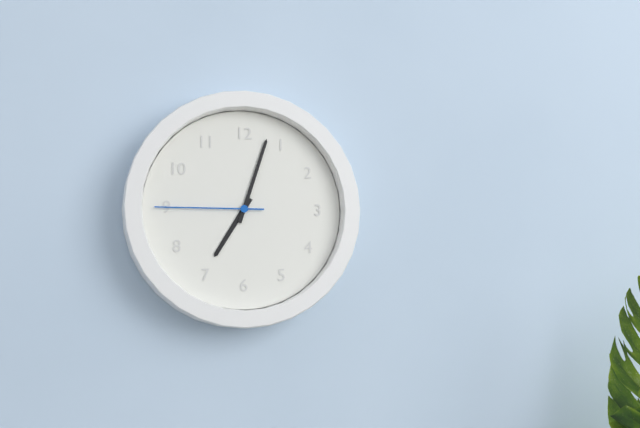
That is h=7 m=3 s=45
